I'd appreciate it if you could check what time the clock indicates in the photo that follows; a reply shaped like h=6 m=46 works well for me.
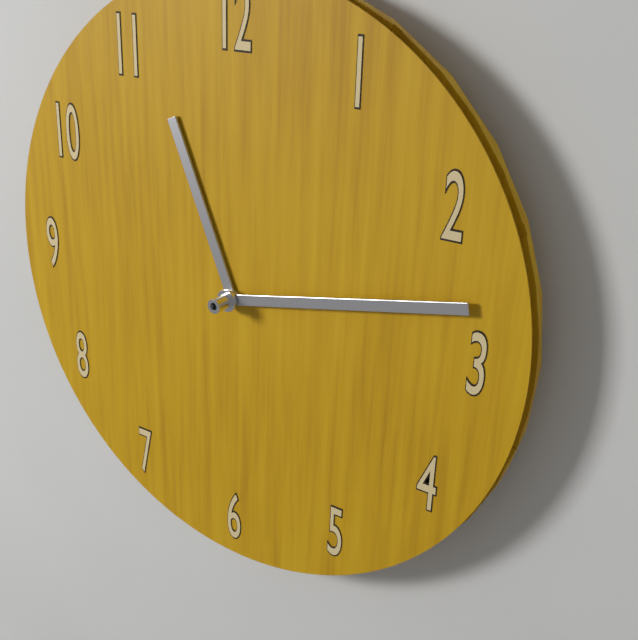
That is h=11 m=13
